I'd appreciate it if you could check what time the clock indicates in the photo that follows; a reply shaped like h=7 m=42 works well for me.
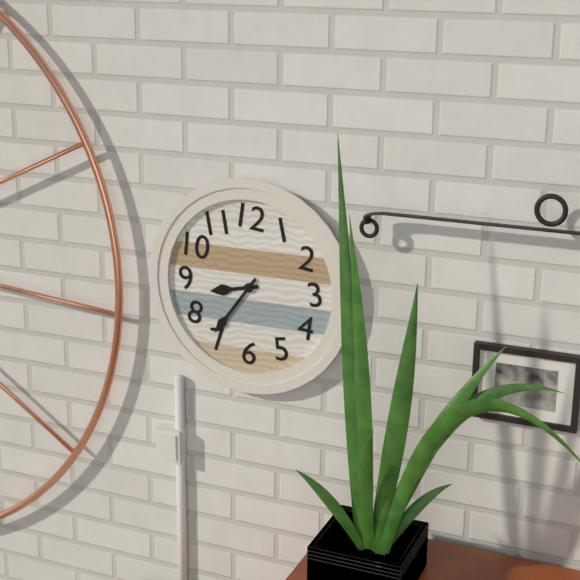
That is h=8 m=36
